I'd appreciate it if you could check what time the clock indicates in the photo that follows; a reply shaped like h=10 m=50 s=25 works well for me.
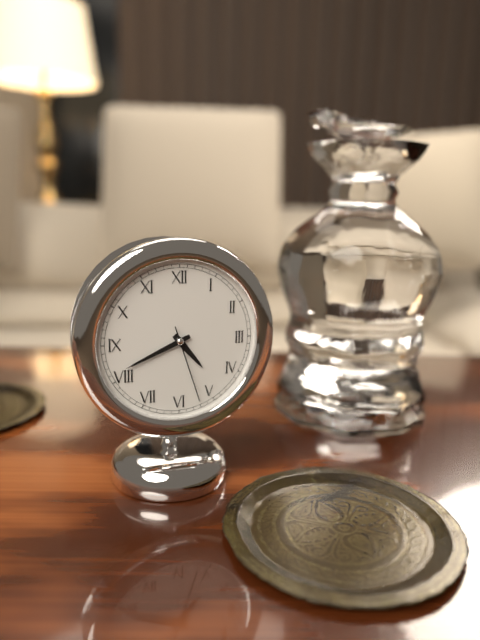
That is h=4 m=41 s=27
